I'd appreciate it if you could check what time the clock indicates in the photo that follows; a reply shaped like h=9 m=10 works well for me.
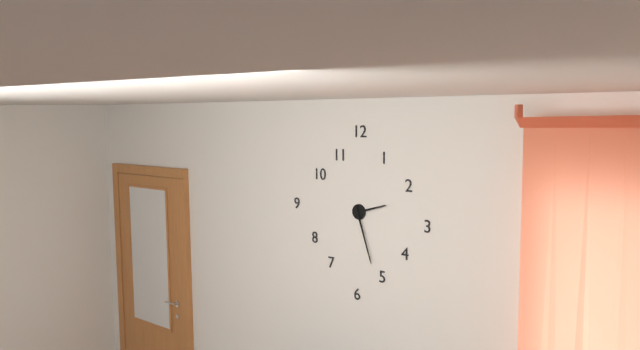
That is h=2 m=27
